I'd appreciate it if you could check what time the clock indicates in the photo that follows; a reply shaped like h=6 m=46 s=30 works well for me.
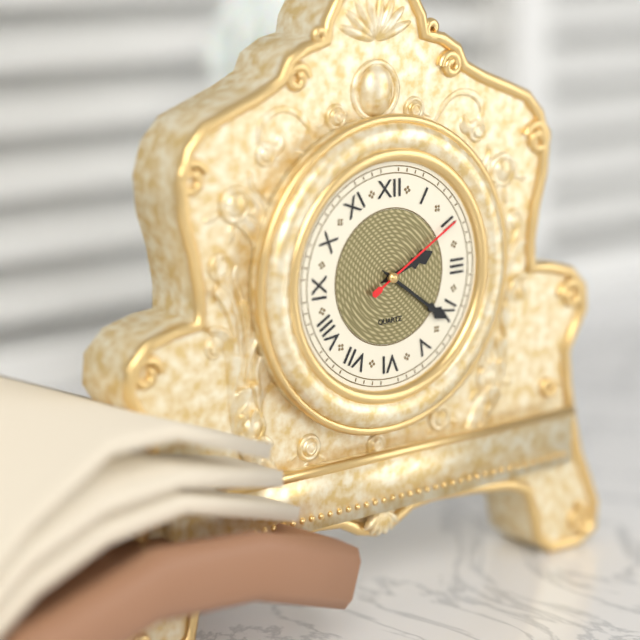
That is h=2 m=21 s=10
